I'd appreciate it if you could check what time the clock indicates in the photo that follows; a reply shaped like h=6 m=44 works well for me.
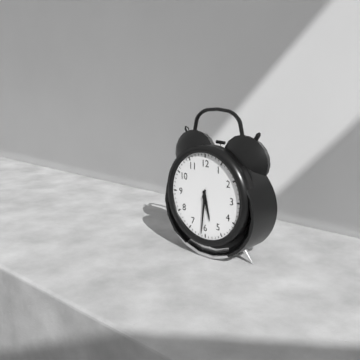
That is h=5 m=31
